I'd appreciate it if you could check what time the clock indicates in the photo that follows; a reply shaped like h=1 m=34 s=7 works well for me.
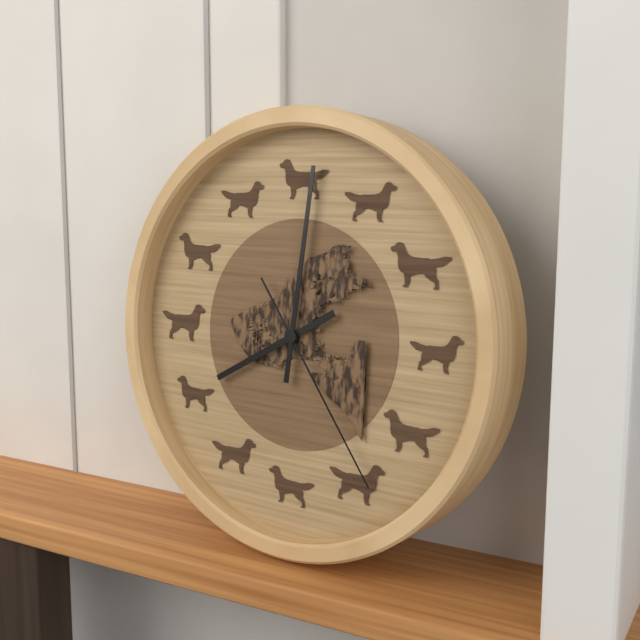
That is h=8 m=1 s=24
